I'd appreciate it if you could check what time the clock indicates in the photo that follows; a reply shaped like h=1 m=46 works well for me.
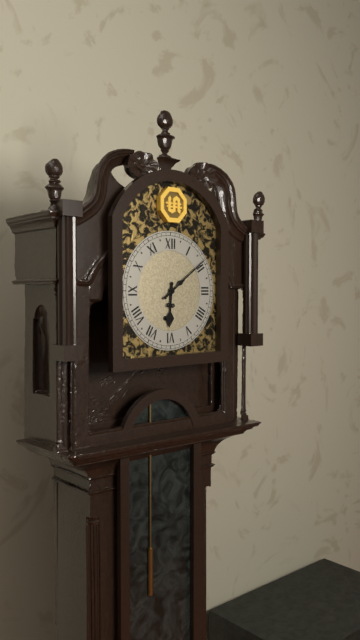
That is h=6 m=9
